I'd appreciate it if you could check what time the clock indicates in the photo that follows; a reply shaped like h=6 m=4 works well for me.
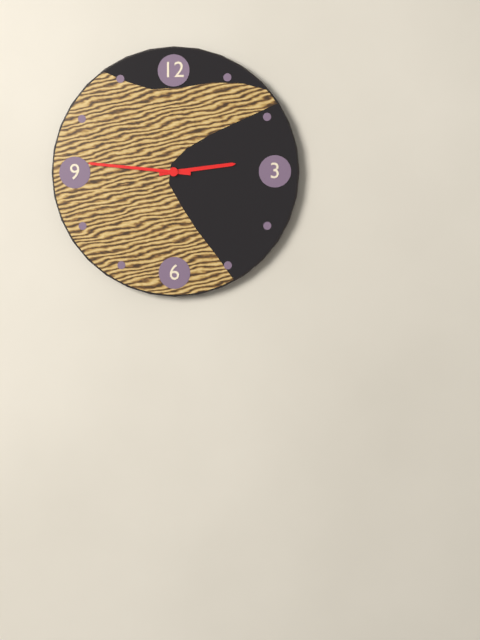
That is h=2 m=46
